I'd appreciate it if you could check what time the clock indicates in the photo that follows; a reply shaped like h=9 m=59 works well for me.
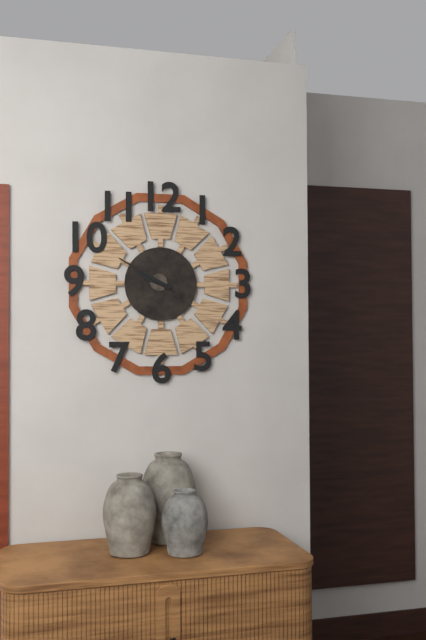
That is h=9 m=50
